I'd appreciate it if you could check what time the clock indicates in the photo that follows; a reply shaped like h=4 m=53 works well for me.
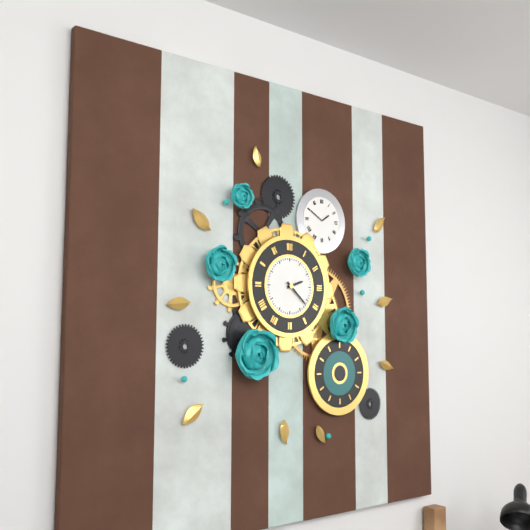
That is h=2 m=22
